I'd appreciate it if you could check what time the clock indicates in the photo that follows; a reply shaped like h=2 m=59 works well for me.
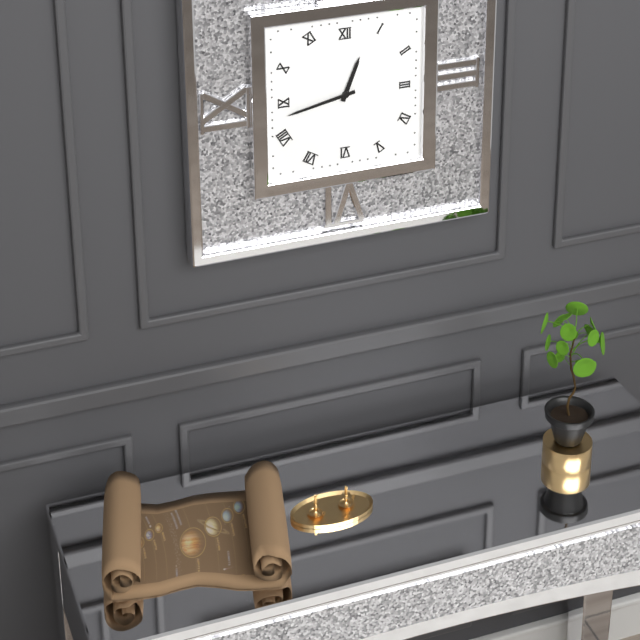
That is h=12 m=43
